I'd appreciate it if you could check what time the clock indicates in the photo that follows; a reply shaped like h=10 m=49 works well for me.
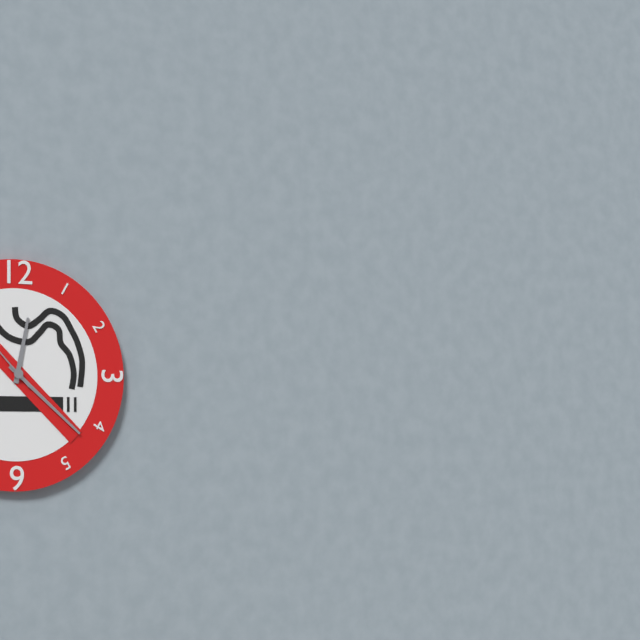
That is h=12 m=22
